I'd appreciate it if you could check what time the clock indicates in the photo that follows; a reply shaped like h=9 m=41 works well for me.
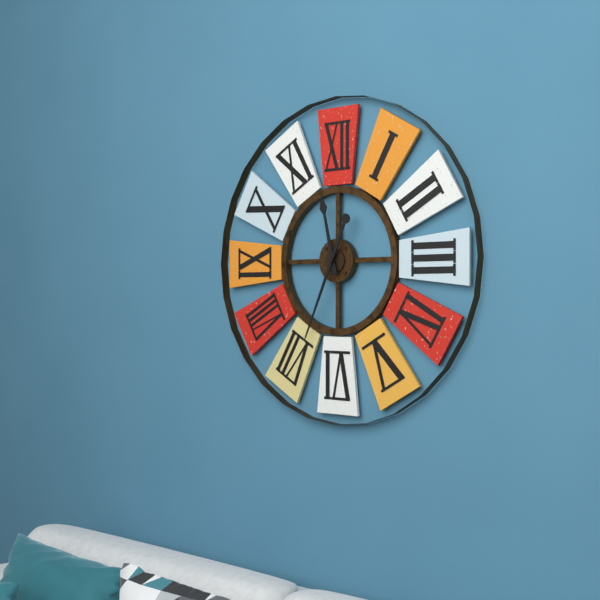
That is h=11 m=34
